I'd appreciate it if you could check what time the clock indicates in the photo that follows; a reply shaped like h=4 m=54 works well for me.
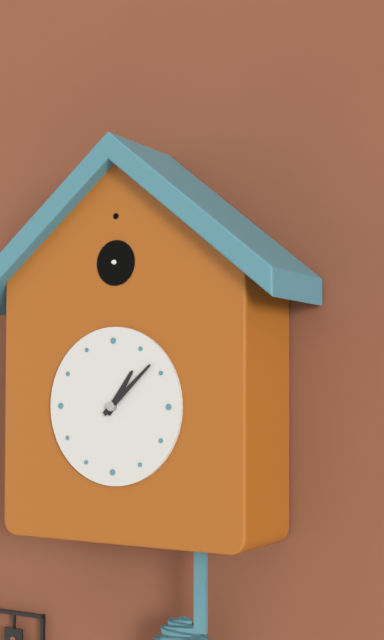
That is h=1 m=8
